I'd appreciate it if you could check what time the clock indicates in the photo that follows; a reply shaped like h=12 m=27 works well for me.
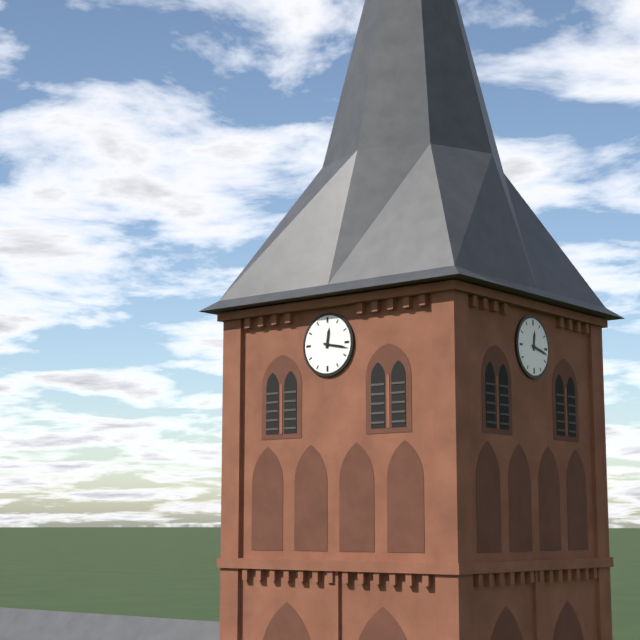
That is h=12 m=17
